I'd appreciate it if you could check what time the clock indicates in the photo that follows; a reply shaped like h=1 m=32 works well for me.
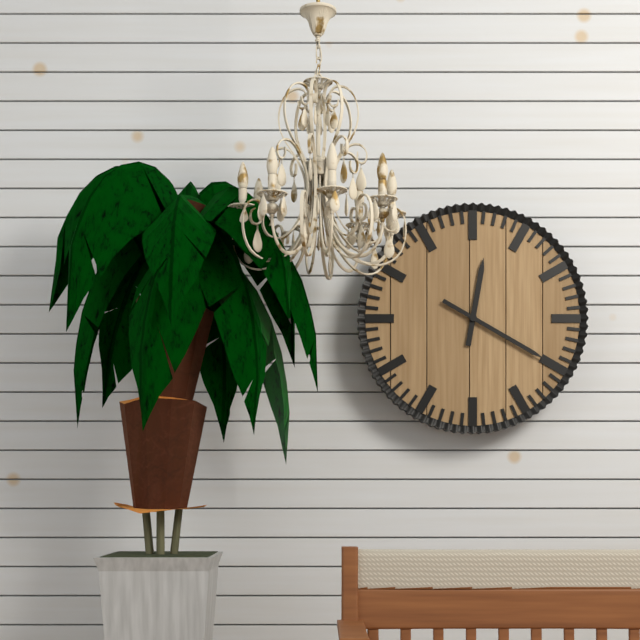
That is h=12 m=20
